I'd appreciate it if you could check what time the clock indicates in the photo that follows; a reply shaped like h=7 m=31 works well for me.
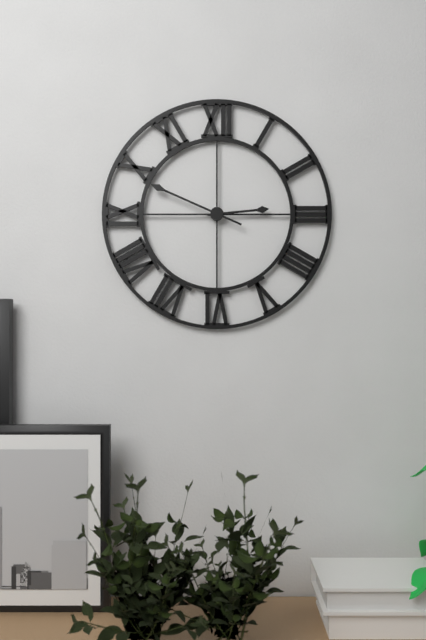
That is h=2 m=49
